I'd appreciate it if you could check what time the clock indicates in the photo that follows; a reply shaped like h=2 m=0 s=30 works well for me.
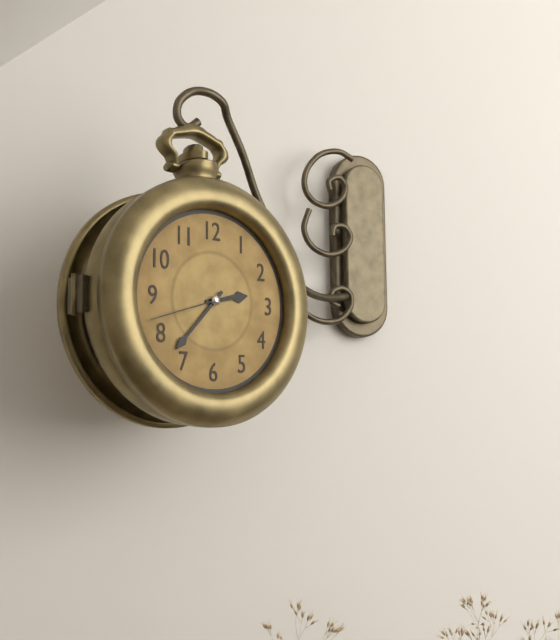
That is h=2 m=37 s=42
